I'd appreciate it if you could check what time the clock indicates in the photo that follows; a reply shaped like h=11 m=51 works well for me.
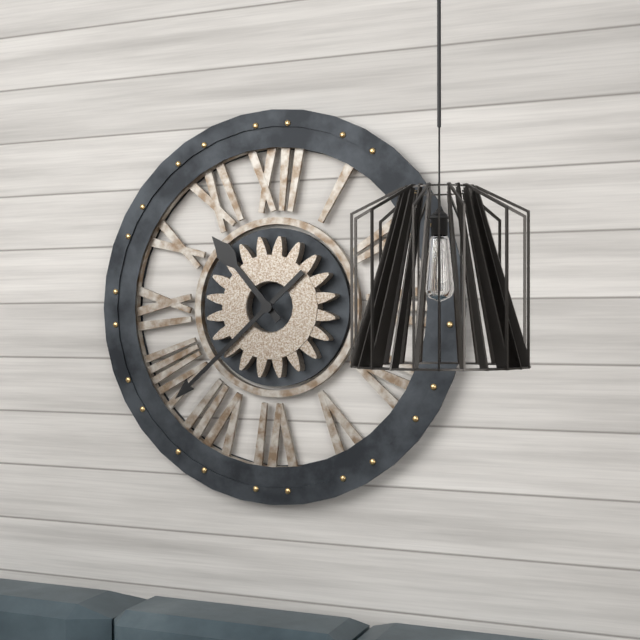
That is h=10 m=38
